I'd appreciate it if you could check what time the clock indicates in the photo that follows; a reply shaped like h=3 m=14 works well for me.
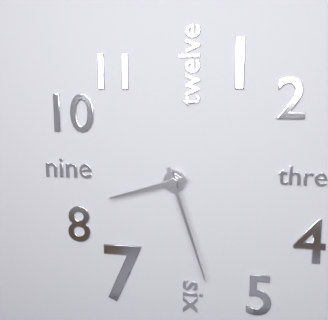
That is h=8 m=27
